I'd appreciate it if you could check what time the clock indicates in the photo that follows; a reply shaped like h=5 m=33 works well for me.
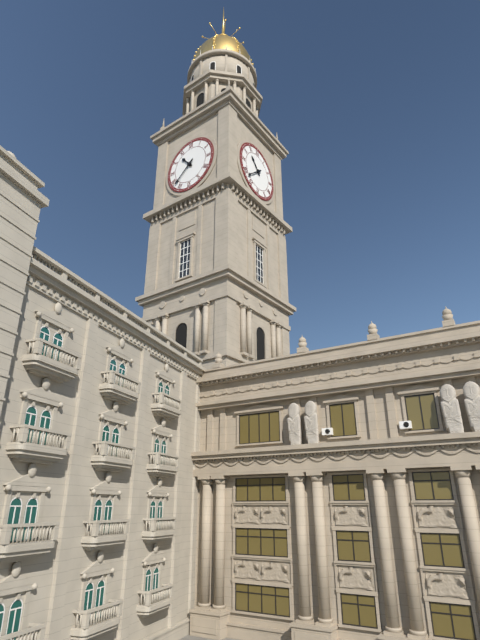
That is h=10 m=38
